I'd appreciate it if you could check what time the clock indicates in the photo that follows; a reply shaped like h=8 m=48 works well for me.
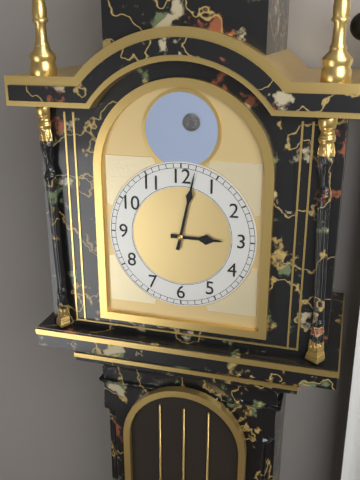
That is h=3 m=2
